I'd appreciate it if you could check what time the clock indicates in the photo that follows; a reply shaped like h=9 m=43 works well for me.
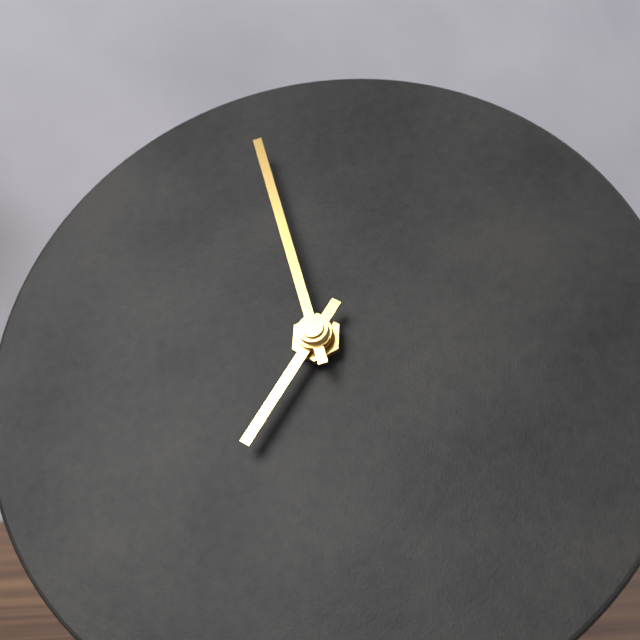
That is h=6 m=57
